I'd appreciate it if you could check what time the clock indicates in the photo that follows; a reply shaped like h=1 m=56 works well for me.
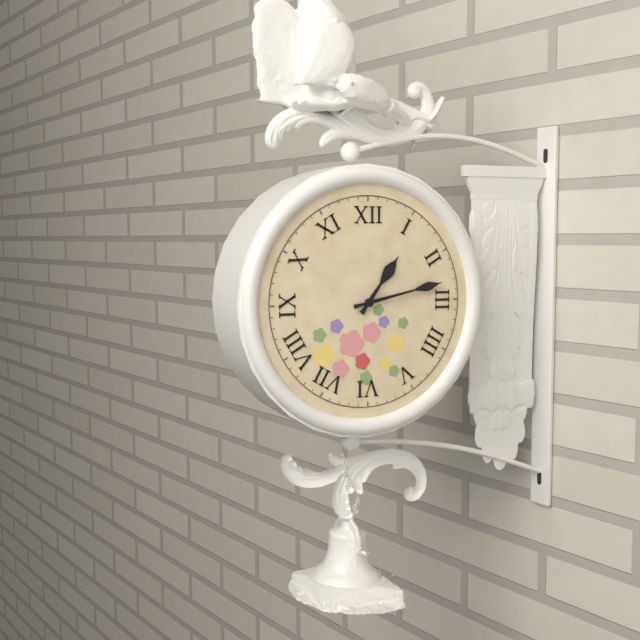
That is h=1 m=13
